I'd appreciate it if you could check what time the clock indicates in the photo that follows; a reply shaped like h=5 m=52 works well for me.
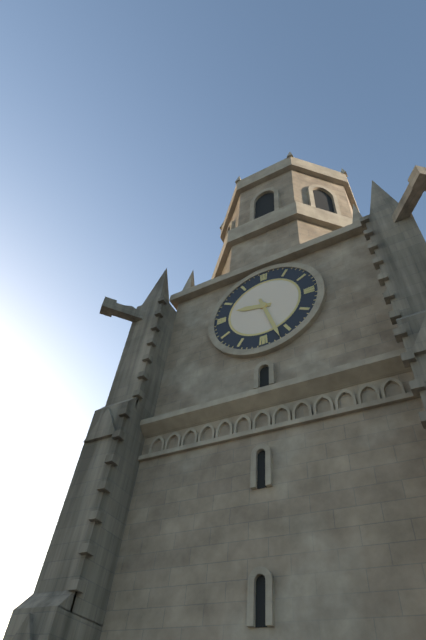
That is h=9 m=27
